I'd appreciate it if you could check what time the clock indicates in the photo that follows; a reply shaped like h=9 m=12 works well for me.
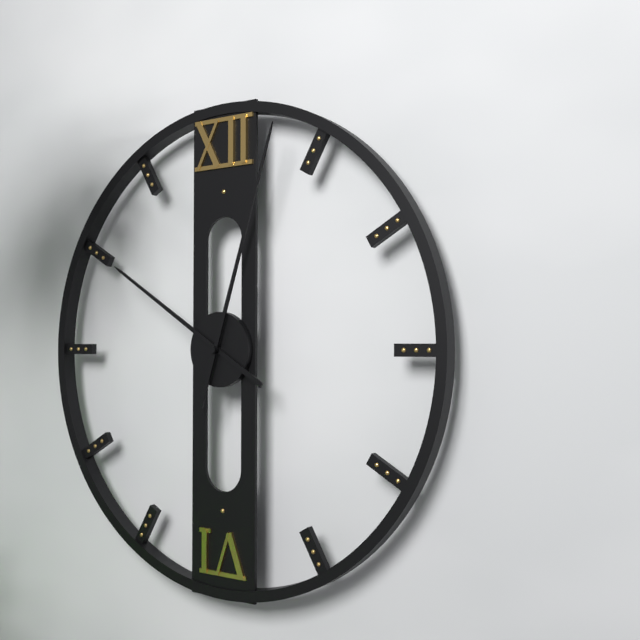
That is h=10 m=3
